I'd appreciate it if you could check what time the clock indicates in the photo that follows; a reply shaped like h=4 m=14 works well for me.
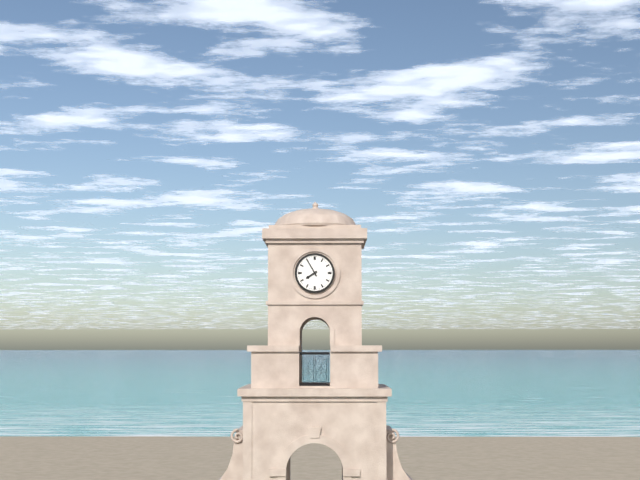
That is h=7 m=55
